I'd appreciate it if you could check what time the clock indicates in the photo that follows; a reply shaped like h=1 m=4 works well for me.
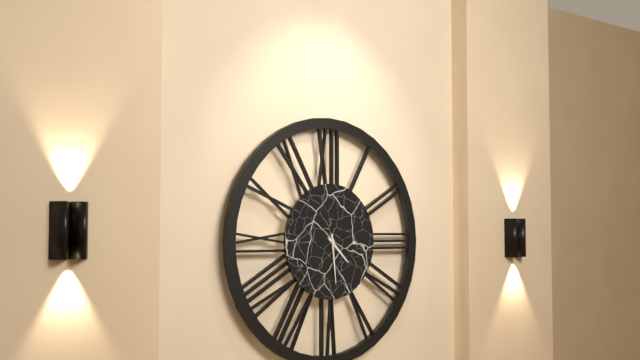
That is h=4 m=29
